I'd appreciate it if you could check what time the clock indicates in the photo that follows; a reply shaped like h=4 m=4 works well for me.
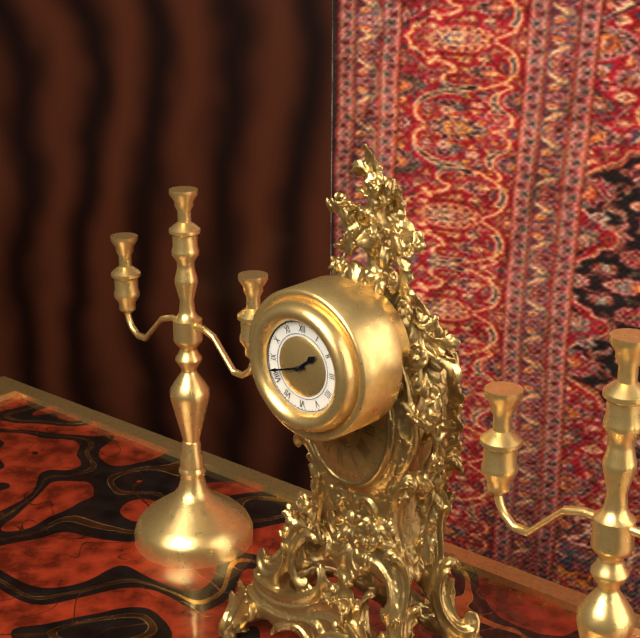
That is h=1 m=42
